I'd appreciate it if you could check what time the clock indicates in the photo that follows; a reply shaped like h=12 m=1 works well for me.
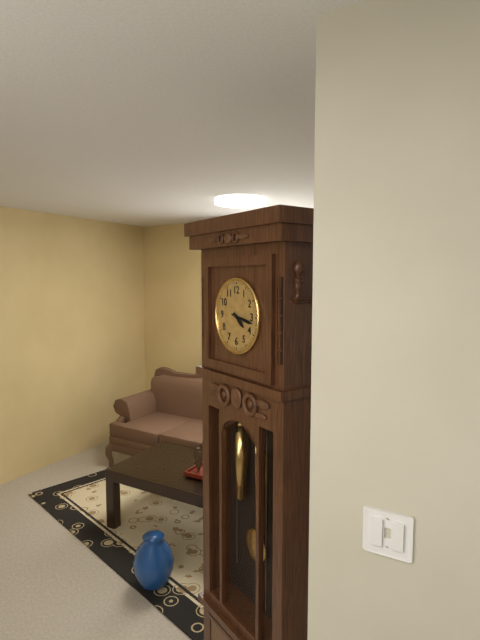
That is h=4 m=17
